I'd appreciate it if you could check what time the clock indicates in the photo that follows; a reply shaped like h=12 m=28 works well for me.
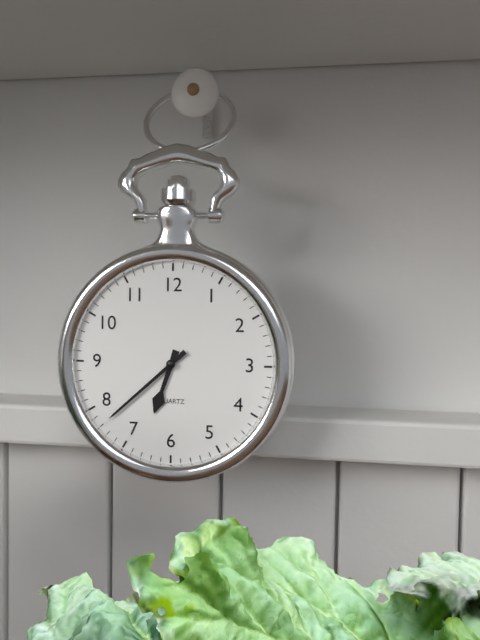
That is h=6 m=38
